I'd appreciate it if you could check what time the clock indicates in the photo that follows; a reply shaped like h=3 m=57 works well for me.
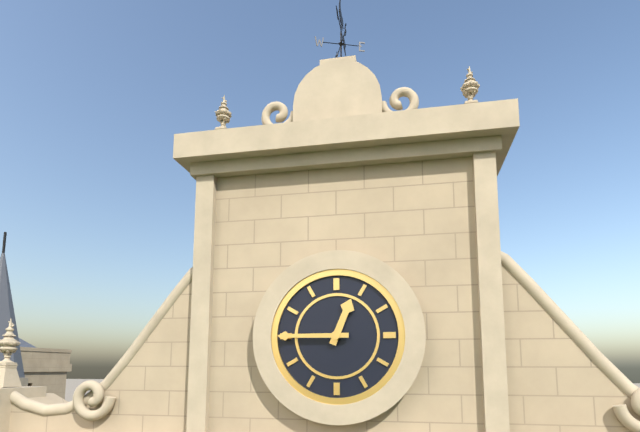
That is h=12 m=45
